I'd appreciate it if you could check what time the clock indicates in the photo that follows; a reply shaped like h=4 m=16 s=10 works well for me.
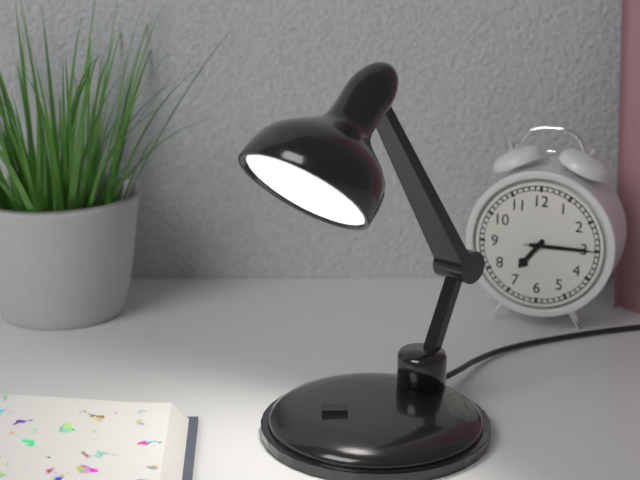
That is h=7 m=15 s=15
